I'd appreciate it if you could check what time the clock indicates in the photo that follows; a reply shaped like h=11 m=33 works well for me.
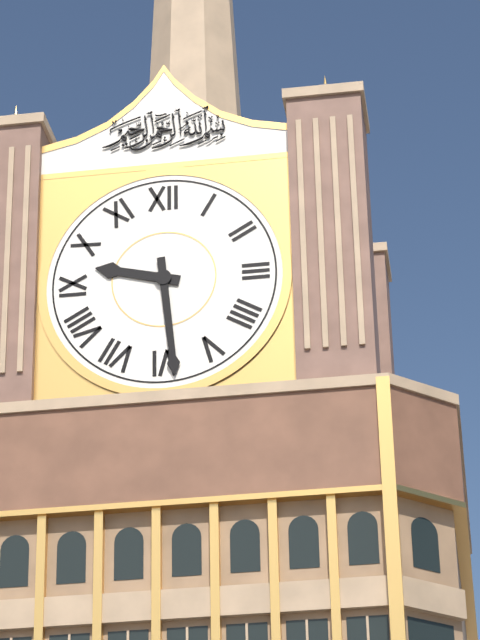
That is h=9 m=29
